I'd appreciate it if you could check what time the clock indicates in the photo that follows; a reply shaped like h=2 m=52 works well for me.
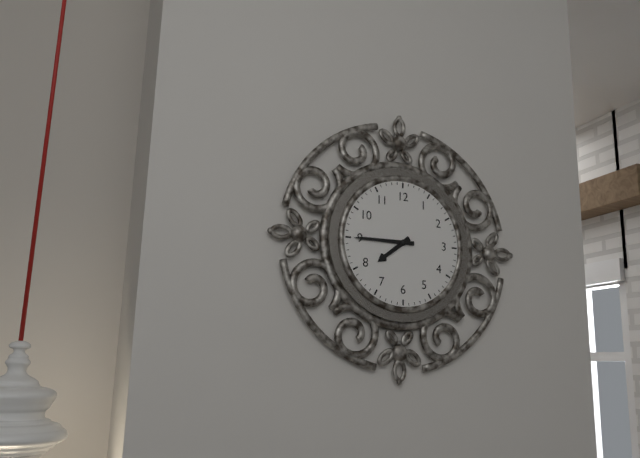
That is h=7 m=45
